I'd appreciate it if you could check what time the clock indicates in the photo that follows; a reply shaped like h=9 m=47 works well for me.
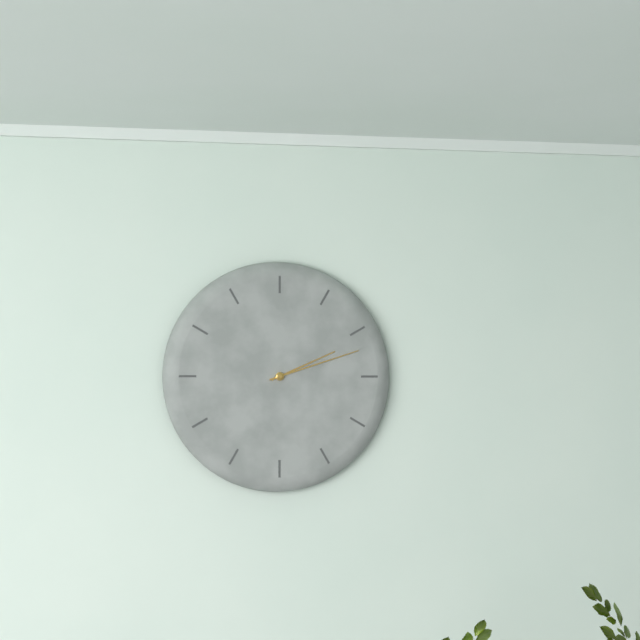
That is h=2 m=12
